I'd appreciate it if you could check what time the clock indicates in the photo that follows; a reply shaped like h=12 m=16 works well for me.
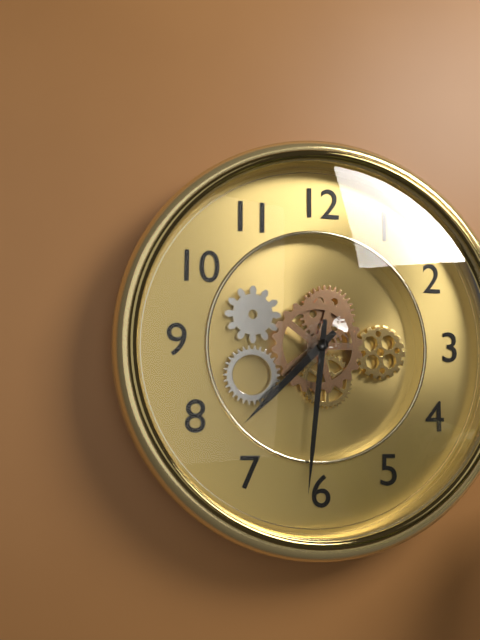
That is h=7 m=31
